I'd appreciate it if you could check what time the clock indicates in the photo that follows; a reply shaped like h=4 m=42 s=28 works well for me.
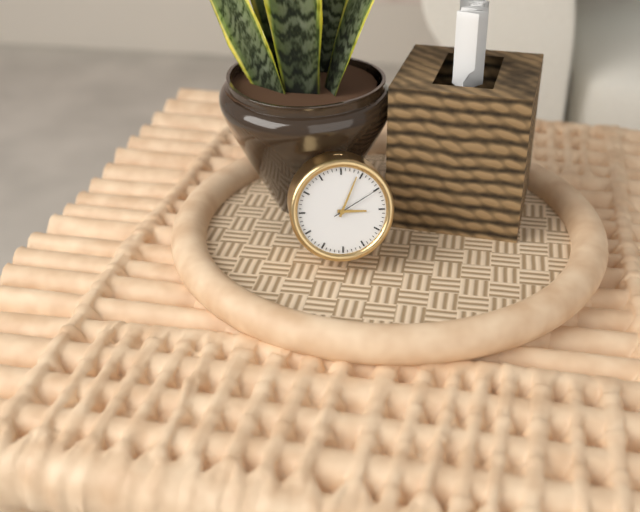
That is h=3 m=4 s=10
